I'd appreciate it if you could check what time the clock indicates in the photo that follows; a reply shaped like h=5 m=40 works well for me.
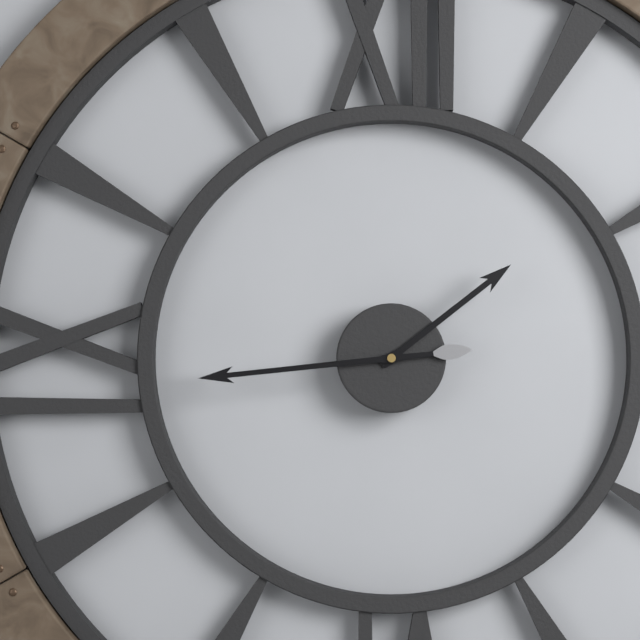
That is h=1 m=44
